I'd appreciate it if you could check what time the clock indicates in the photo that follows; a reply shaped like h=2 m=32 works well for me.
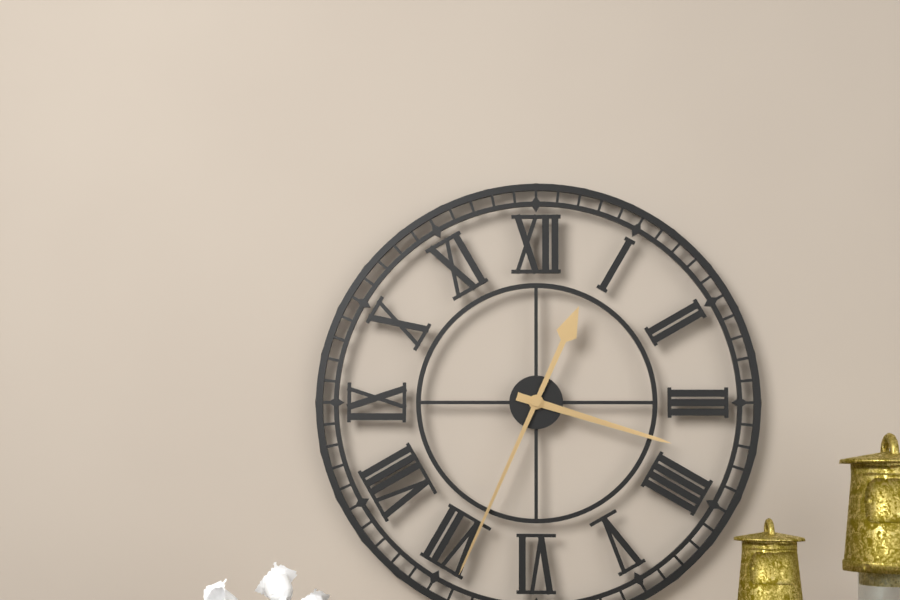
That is h=3 m=34
